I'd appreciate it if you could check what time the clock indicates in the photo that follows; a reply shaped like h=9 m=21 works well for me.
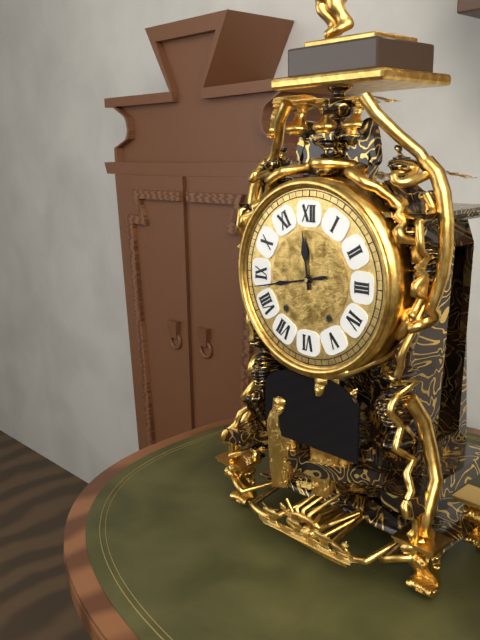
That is h=11 m=43
